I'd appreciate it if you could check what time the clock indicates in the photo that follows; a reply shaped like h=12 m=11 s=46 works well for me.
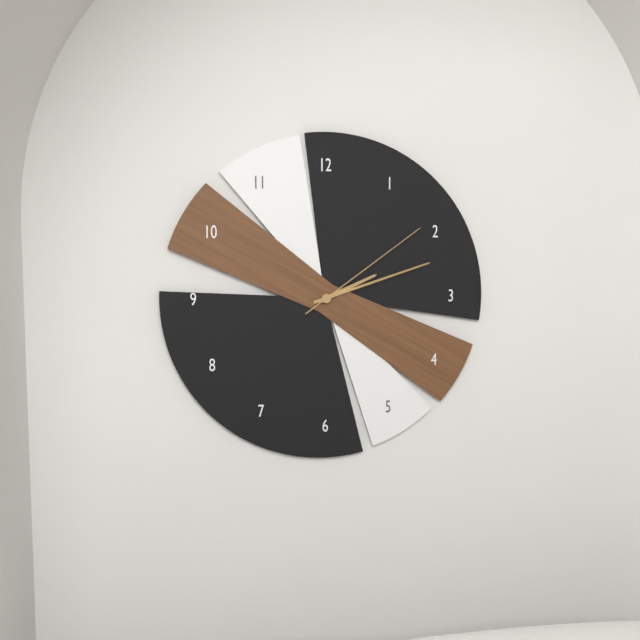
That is h=2 m=12 s=9
